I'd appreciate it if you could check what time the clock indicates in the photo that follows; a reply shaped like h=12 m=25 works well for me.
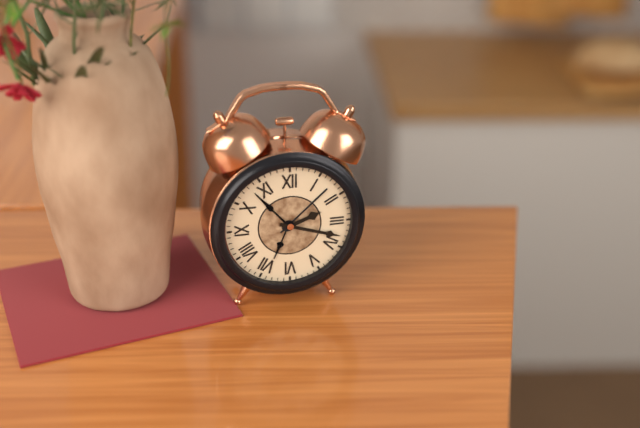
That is h=2 m=18
